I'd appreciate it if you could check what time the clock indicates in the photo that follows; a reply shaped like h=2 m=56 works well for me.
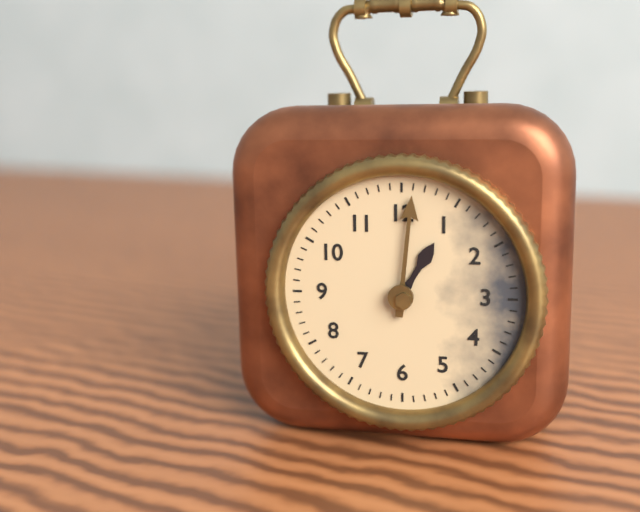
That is h=1 m=1
